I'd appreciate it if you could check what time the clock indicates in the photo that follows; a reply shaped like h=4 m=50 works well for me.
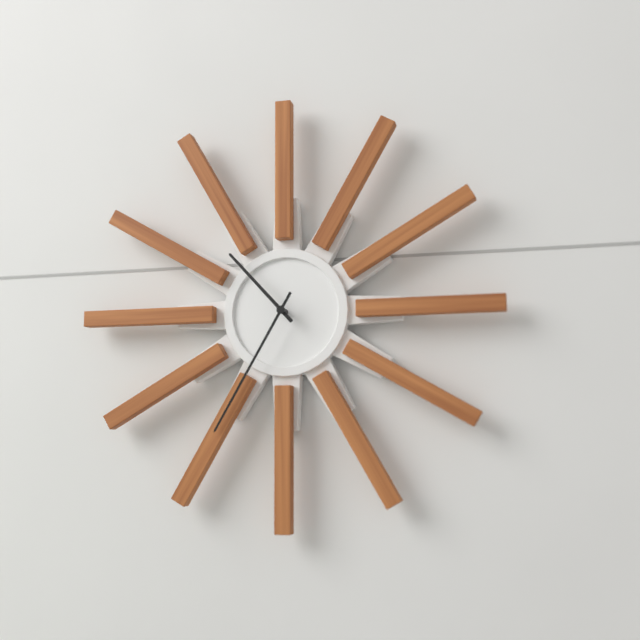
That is h=10 m=35
